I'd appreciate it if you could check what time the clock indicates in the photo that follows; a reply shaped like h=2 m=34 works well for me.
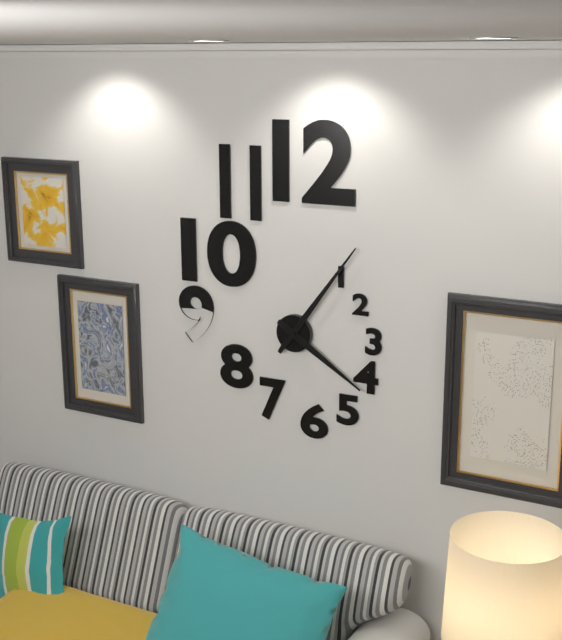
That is h=4 m=6
